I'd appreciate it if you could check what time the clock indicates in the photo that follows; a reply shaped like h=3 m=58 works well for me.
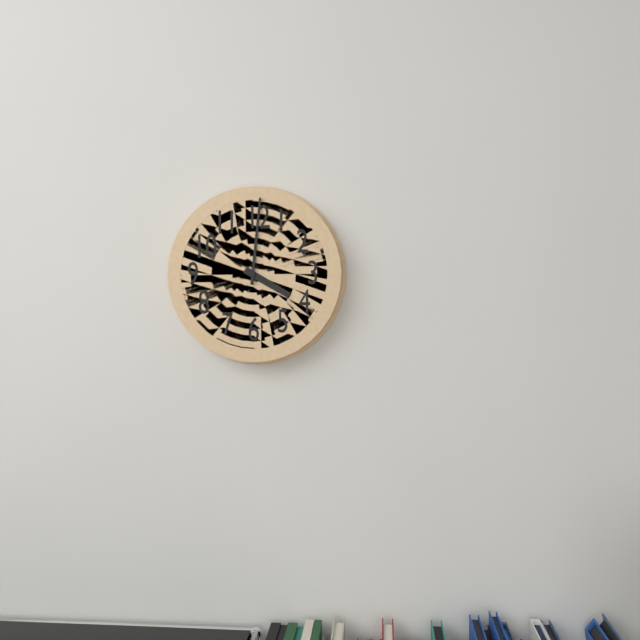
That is h=4 m=1
